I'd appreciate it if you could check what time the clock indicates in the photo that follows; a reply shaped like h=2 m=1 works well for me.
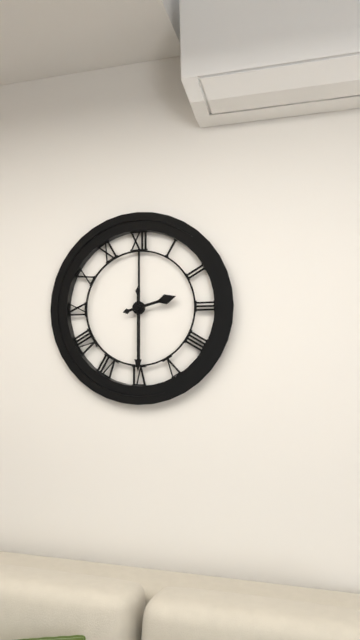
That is h=2 m=30
